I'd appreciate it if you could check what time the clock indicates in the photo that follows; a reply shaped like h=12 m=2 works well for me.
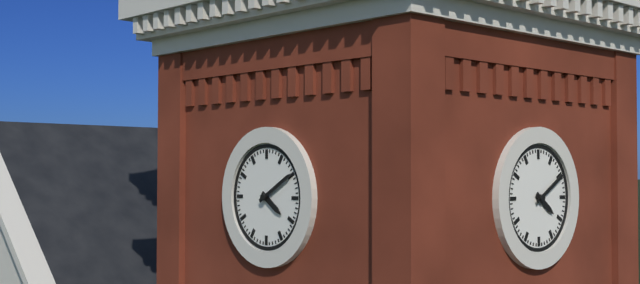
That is h=4 m=10
